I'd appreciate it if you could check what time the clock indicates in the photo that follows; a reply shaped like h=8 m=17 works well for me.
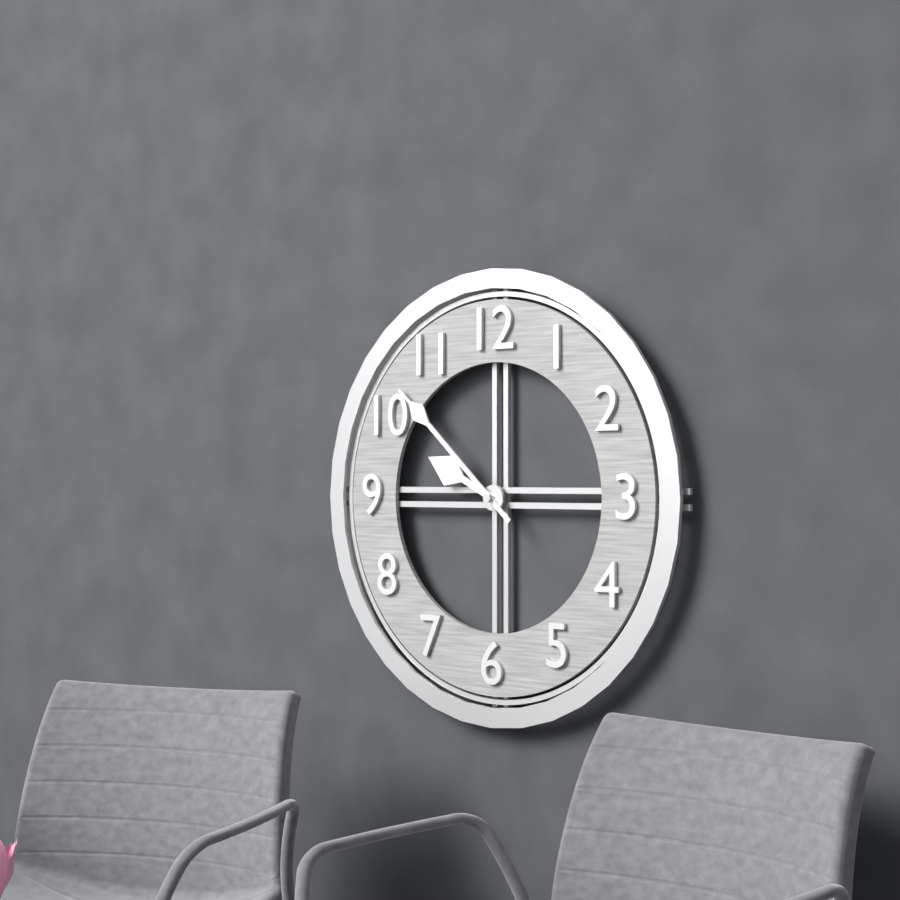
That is h=9 m=52
